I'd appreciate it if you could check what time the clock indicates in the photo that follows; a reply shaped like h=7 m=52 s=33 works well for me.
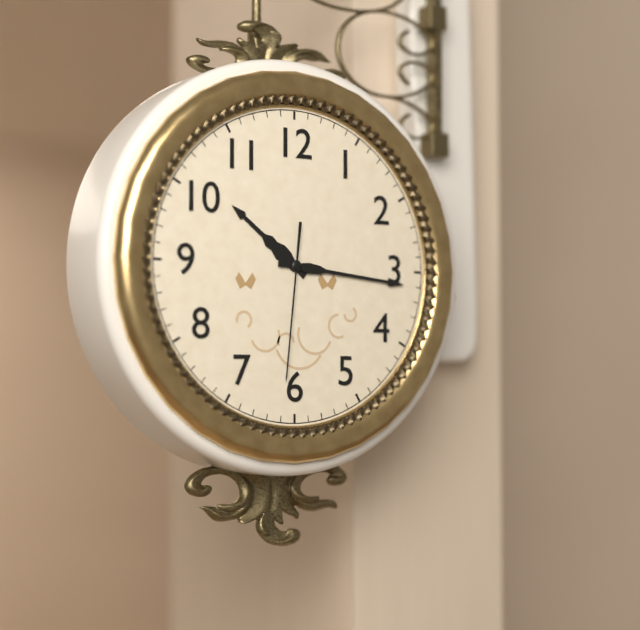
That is h=10 m=16 s=31
